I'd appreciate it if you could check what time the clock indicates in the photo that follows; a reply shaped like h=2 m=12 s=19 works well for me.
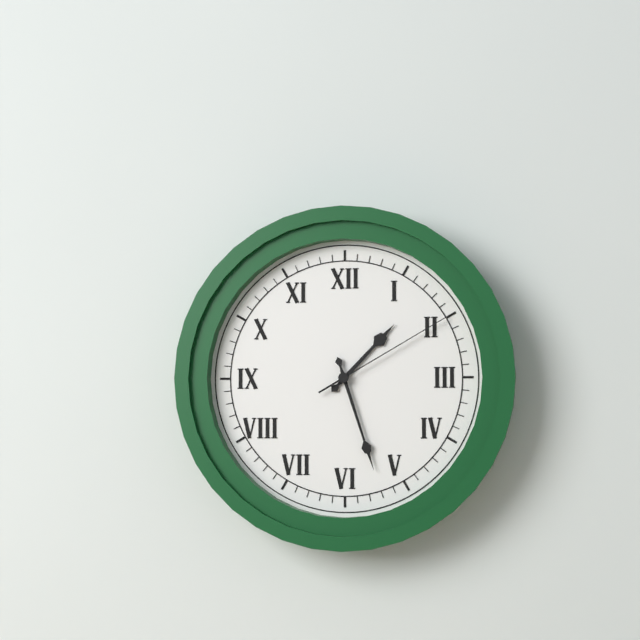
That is h=1 m=27 s=10
